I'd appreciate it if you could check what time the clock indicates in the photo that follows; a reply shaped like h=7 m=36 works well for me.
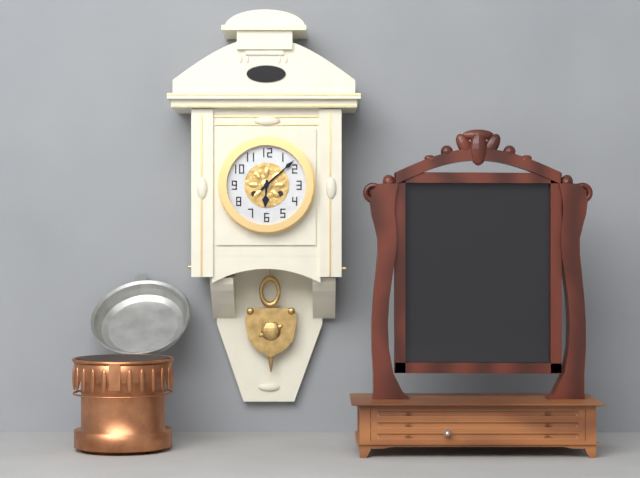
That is h=6 m=8
